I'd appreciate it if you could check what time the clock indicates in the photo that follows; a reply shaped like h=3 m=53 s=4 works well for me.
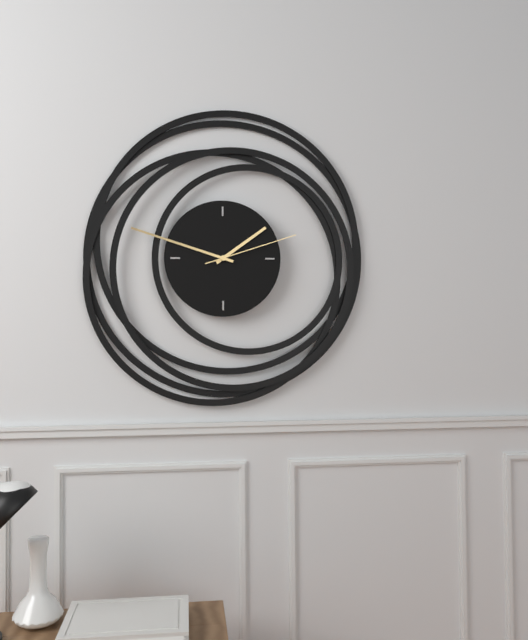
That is h=1 m=48 s=12
